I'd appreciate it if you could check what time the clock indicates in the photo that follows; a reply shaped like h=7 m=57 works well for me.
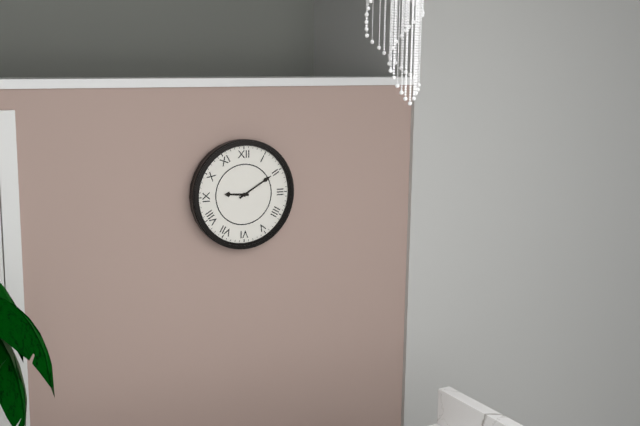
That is h=9 m=10
